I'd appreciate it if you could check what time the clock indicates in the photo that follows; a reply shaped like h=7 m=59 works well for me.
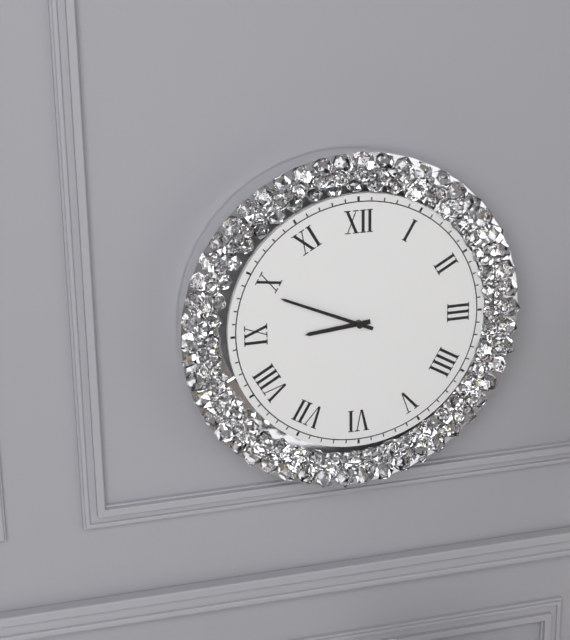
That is h=8 m=49
